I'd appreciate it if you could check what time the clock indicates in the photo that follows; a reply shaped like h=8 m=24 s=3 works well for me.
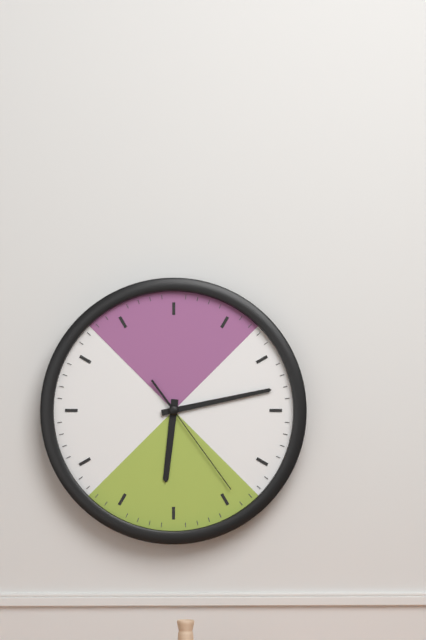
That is h=6 m=13 s=24
